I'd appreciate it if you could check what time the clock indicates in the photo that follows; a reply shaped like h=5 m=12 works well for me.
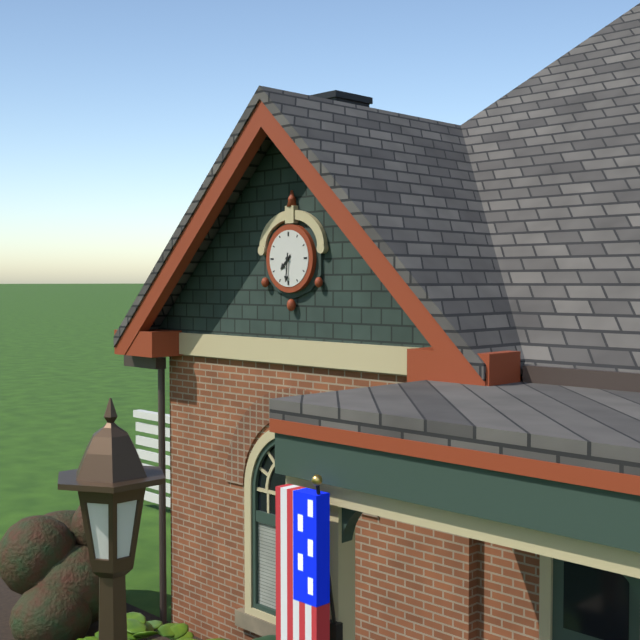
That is h=7 m=31
